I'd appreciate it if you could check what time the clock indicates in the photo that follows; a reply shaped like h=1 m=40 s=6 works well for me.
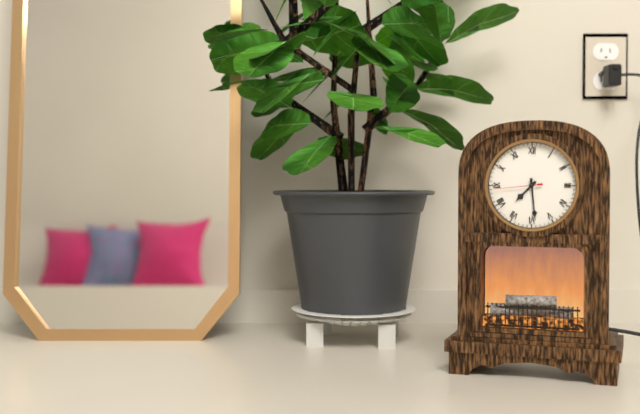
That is h=7 m=29 s=44
